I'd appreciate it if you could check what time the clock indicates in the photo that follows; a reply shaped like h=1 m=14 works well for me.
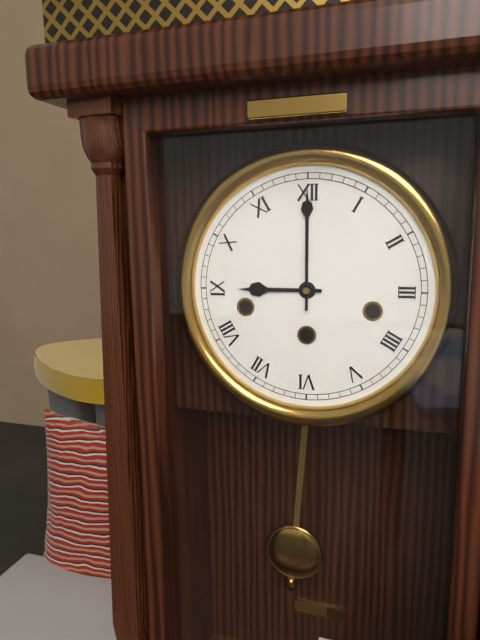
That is h=9 m=0
